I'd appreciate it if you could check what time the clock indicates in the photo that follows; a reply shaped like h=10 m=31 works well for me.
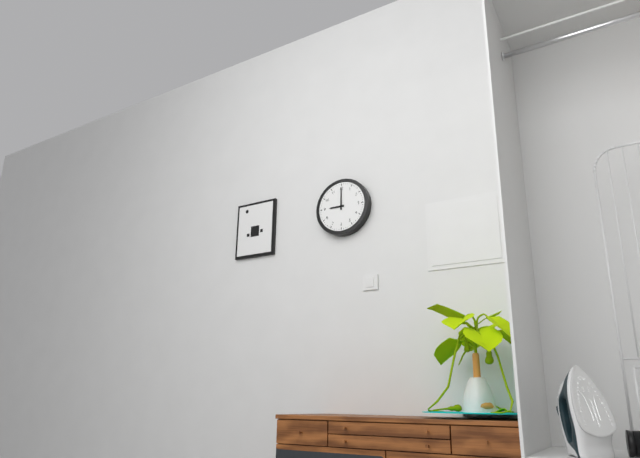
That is h=9 m=0
